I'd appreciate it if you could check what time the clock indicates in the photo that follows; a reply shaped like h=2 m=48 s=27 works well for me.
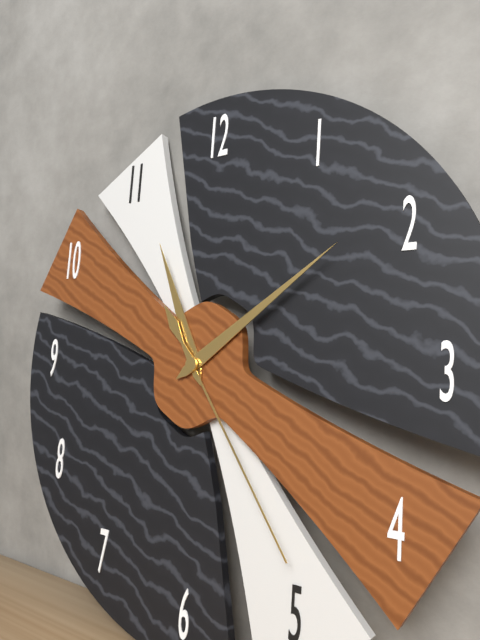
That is h=11 m=9 s=24
